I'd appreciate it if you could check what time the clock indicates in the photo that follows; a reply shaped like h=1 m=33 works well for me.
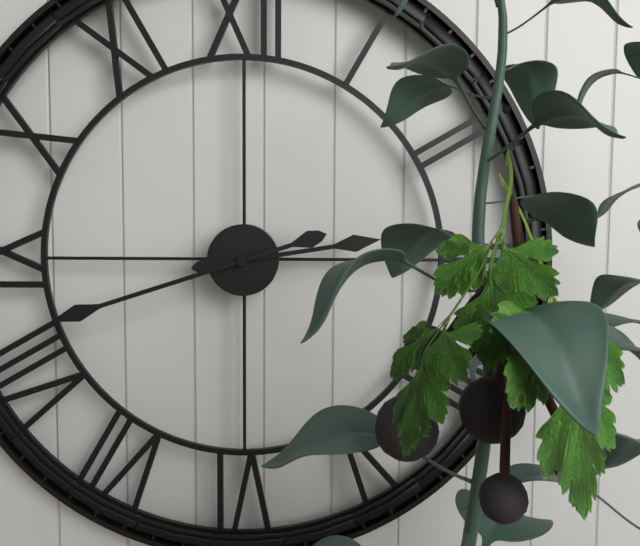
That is h=2 m=42
